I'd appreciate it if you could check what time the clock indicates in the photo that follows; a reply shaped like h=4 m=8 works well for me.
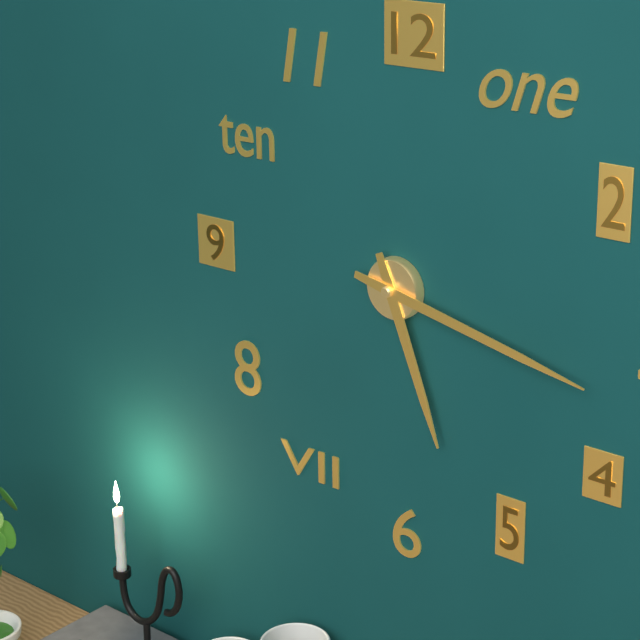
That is h=5 m=17
